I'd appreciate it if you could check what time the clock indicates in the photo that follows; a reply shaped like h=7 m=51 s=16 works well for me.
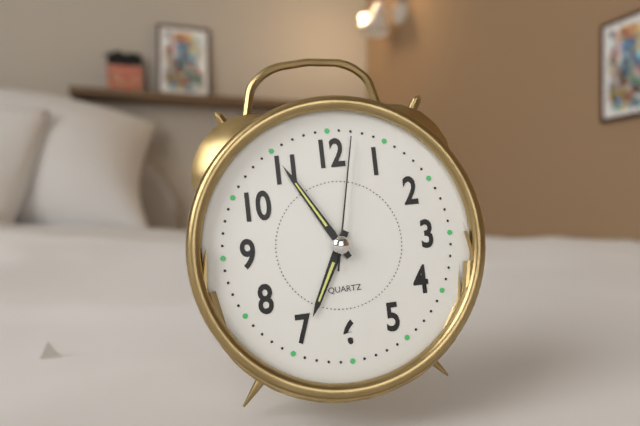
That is h=6 m=55 s=2
